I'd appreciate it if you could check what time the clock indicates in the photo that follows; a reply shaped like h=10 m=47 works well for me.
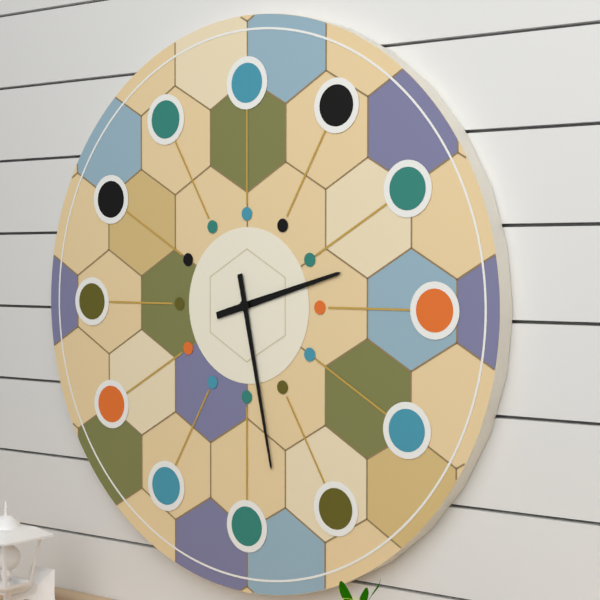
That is h=2 m=28
